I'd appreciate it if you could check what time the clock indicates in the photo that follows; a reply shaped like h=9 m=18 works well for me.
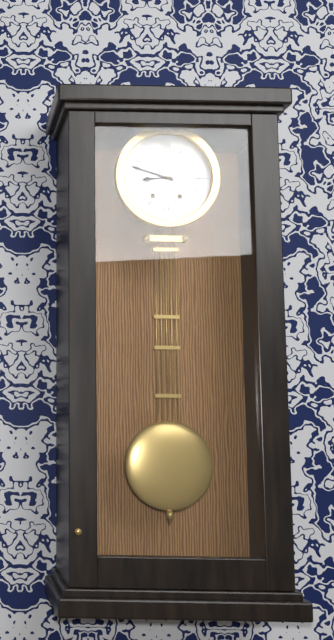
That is h=8 m=48
